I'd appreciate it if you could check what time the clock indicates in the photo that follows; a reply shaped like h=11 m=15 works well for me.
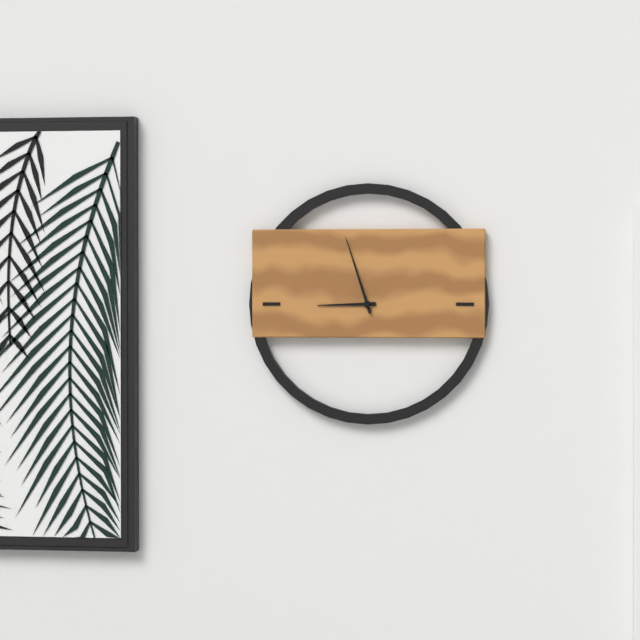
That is h=8 m=57
